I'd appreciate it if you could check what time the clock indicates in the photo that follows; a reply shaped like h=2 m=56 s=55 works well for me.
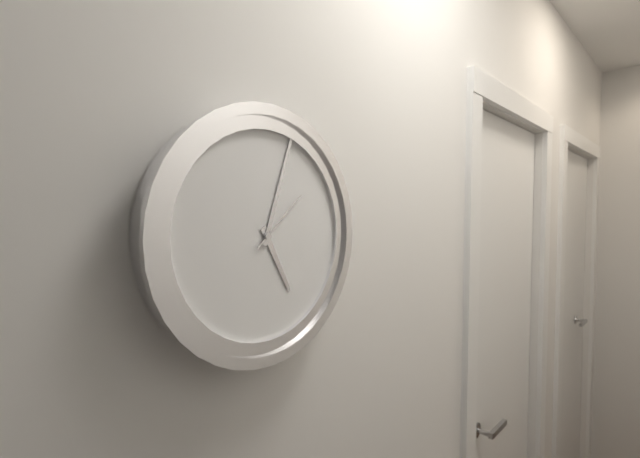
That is h=5 m=3 s=8
